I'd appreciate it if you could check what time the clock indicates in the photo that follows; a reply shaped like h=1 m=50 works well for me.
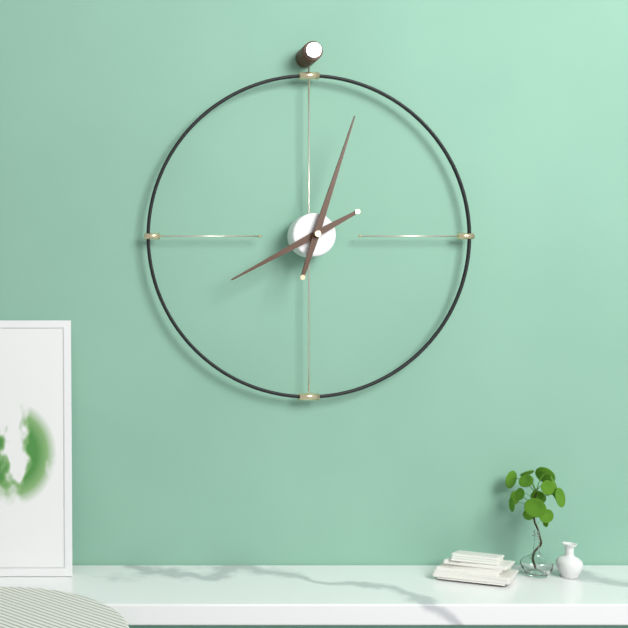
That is h=8 m=3
